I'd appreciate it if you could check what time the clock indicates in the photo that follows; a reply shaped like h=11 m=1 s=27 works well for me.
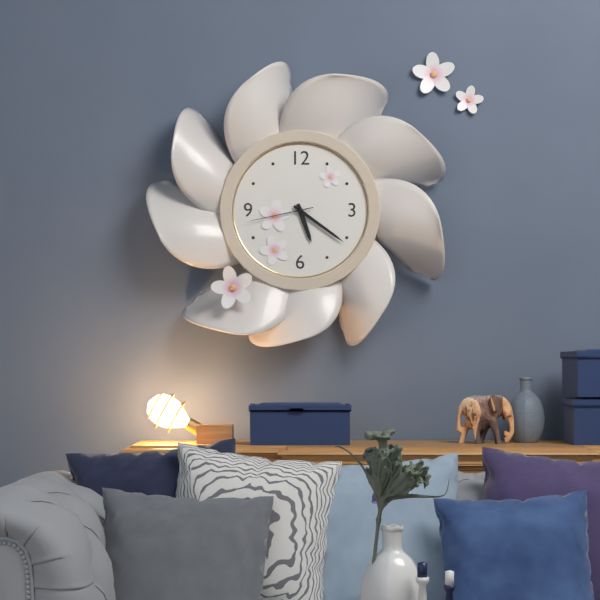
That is h=5 m=21 s=43
